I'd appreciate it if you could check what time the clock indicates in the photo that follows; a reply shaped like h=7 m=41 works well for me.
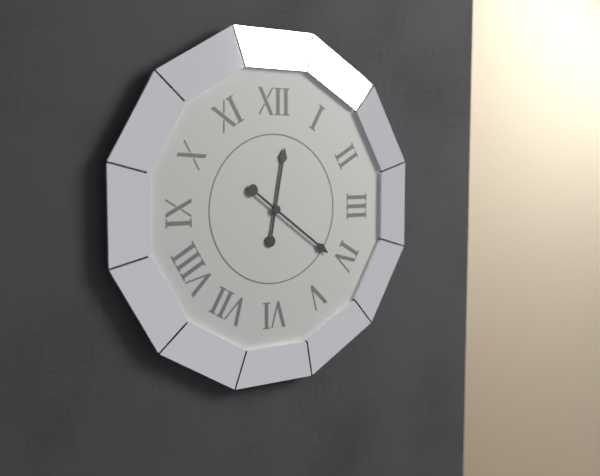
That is h=12 m=21
